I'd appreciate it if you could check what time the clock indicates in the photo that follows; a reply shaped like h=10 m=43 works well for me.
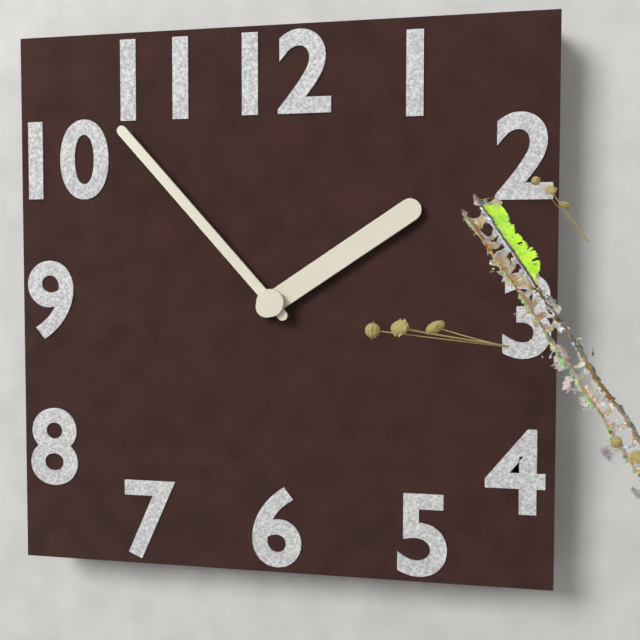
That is h=1 m=53
